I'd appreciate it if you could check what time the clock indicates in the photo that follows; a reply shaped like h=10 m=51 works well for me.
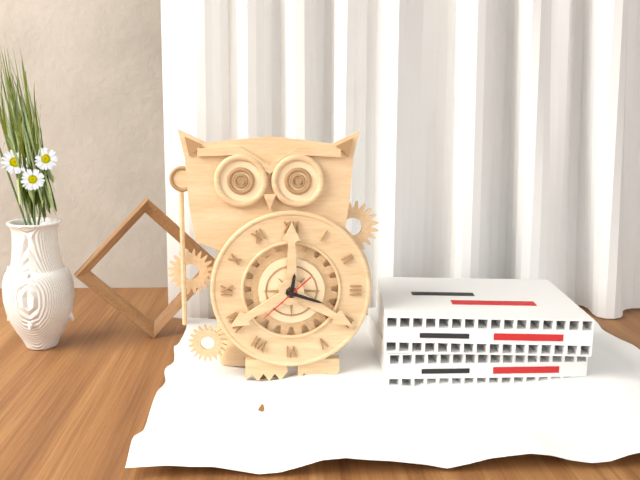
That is h=12 m=18
